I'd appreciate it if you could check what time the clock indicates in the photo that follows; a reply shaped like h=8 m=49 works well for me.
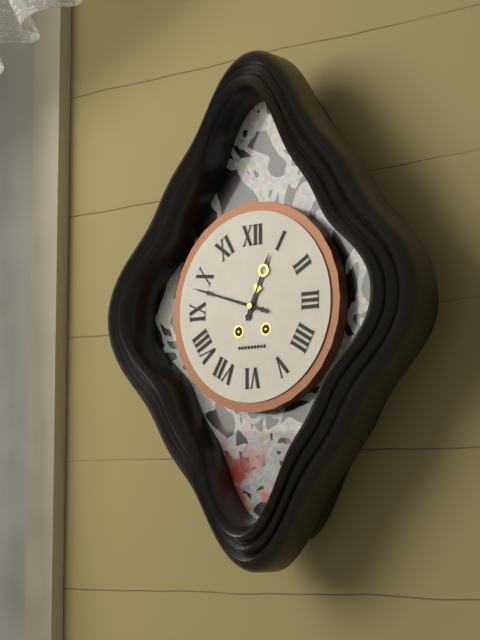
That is h=12 m=48
